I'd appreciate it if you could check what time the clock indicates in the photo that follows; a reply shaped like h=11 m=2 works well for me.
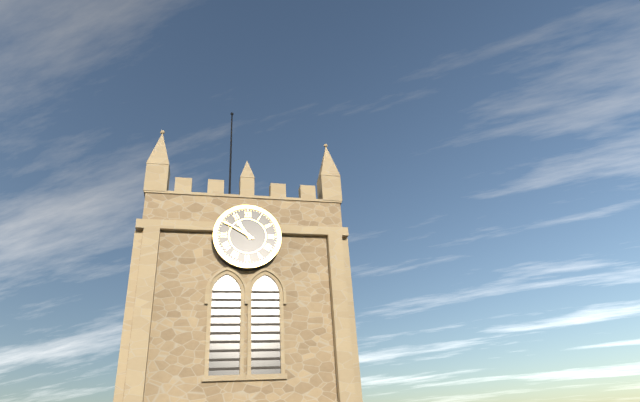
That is h=10 m=50
